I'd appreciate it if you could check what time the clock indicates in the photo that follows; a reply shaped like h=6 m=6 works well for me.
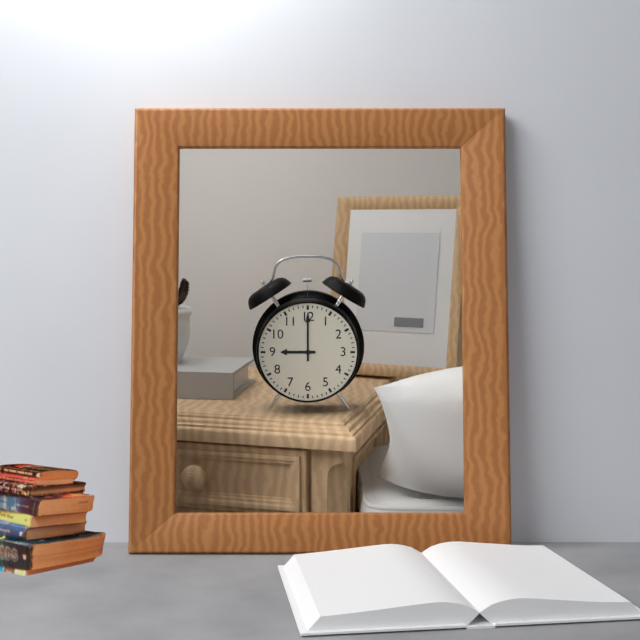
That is h=9 m=0
